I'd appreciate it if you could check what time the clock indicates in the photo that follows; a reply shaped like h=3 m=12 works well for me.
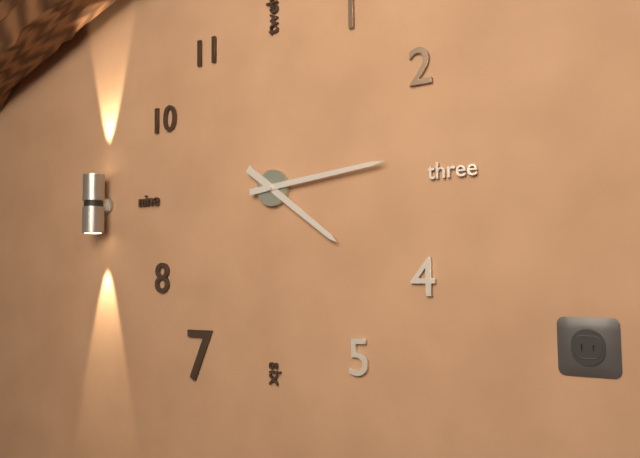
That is h=4 m=14
